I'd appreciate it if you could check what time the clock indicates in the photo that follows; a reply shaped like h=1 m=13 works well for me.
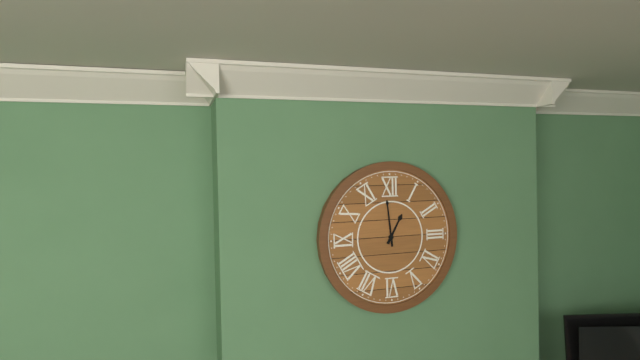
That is h=12 m=59
